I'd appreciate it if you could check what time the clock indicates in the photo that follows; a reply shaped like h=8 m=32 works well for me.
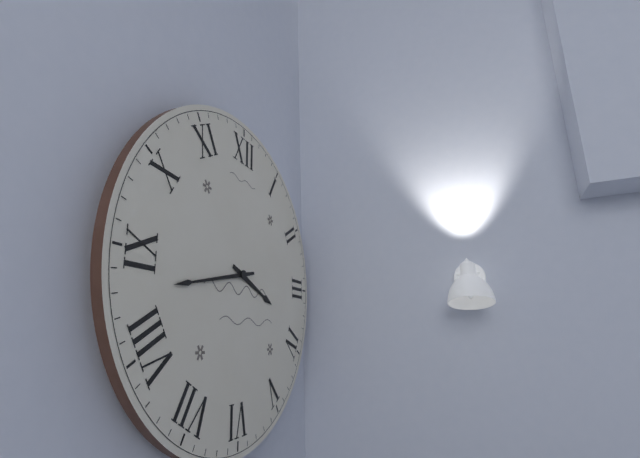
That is h=3 m=43
